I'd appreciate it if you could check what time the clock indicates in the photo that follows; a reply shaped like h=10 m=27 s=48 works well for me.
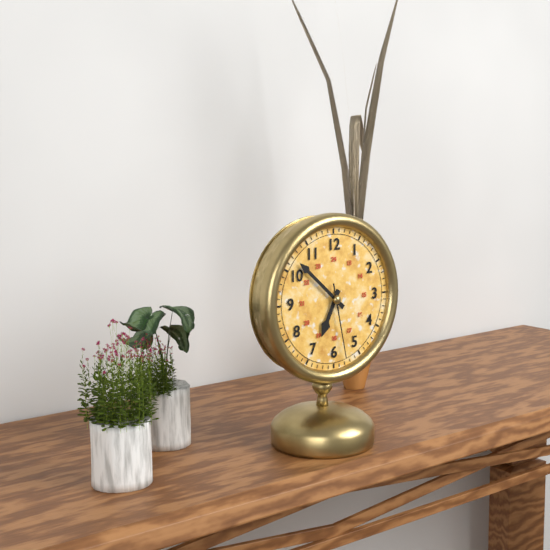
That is h=6 m=52 s=28
